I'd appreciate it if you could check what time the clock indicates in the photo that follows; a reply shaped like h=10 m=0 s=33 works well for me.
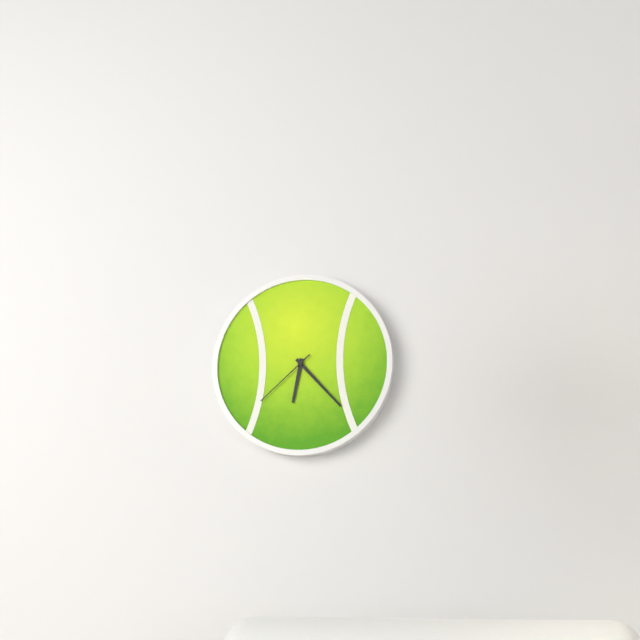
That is h=6 m=23 s=38
